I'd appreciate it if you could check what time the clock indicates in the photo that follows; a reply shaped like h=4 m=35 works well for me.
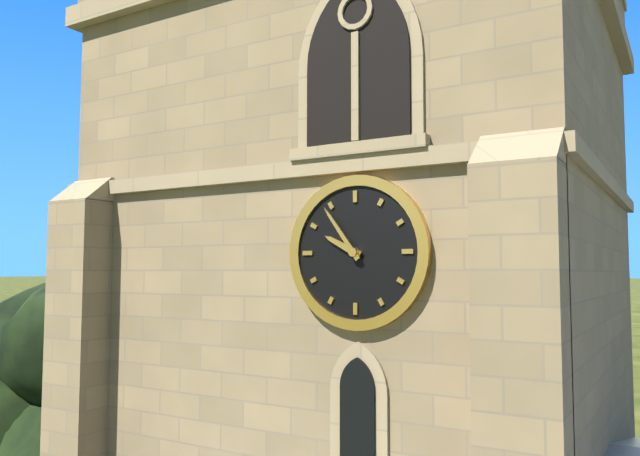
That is h=9 m=54
